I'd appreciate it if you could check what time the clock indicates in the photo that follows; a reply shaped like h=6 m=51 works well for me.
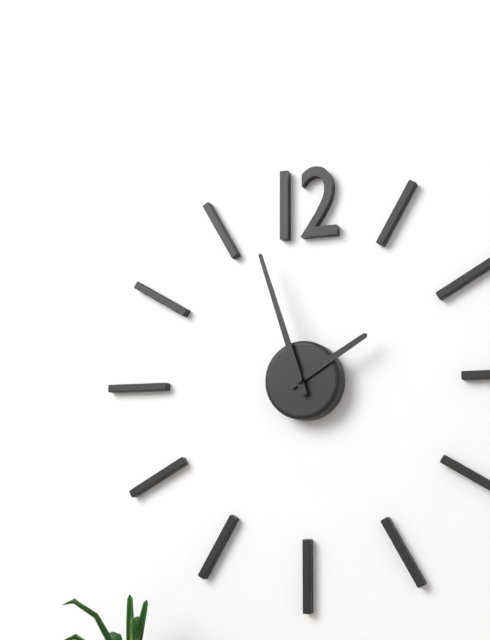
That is h=1 m=57
